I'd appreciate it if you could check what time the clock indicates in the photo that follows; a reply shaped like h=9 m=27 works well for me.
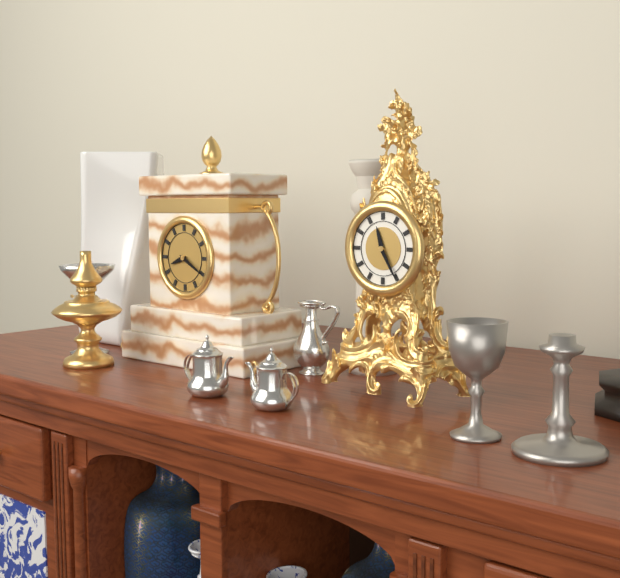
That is h=11 m=25
